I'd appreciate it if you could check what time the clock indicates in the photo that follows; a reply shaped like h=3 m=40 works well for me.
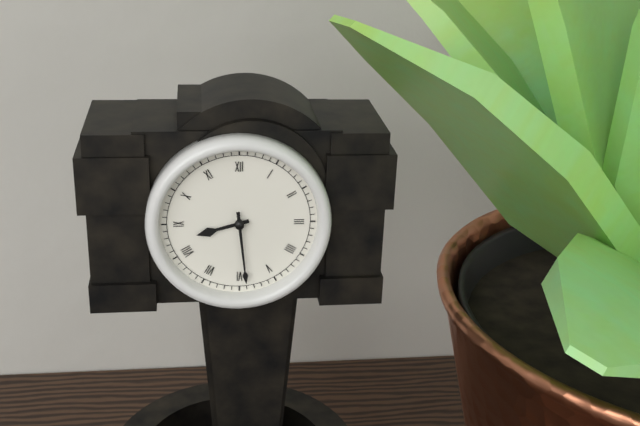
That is h=8 m=29
